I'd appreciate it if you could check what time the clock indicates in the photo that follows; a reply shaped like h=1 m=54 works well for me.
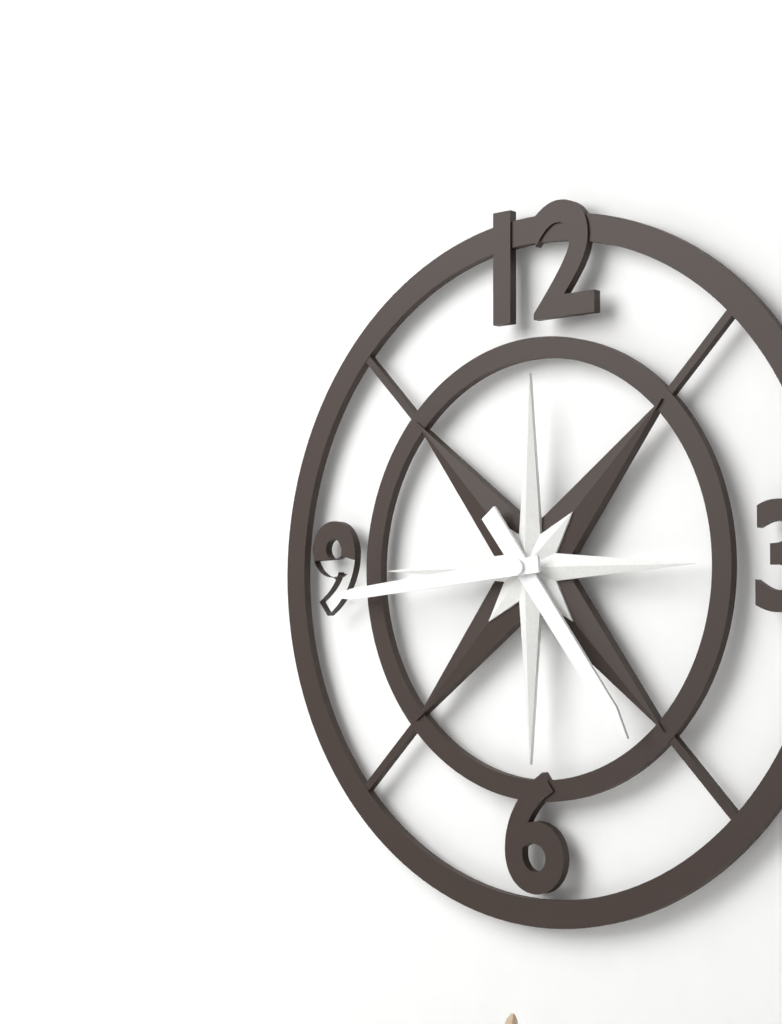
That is h=4 m=44
